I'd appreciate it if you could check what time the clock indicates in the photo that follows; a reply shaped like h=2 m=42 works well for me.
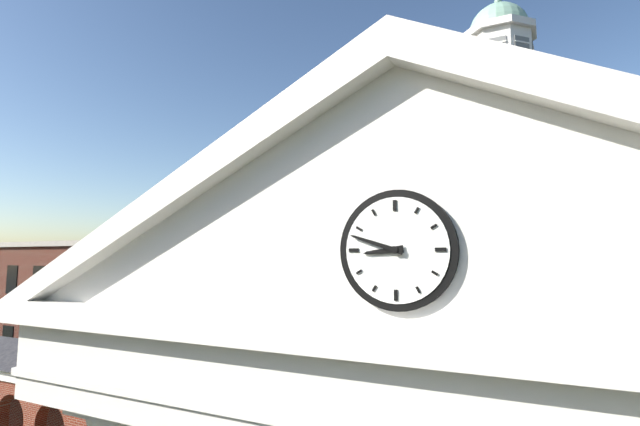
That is h=8 m=48
